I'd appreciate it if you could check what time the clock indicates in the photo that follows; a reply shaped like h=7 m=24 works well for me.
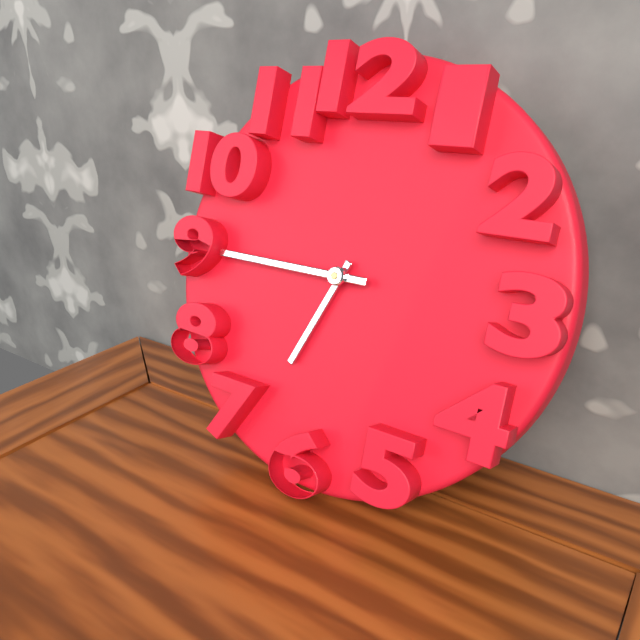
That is h=6 m=45
